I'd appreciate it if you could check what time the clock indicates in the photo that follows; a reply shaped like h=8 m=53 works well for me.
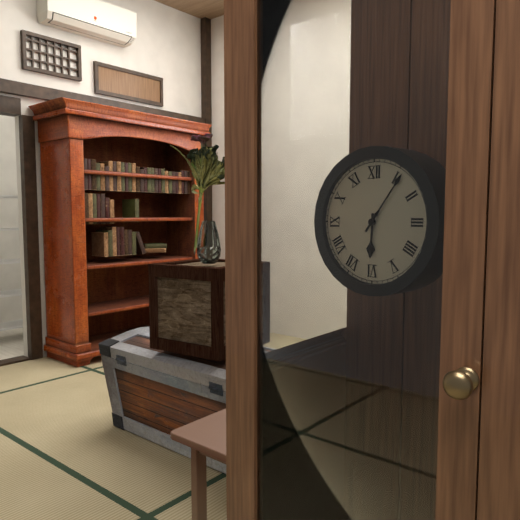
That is h=6 m=6
